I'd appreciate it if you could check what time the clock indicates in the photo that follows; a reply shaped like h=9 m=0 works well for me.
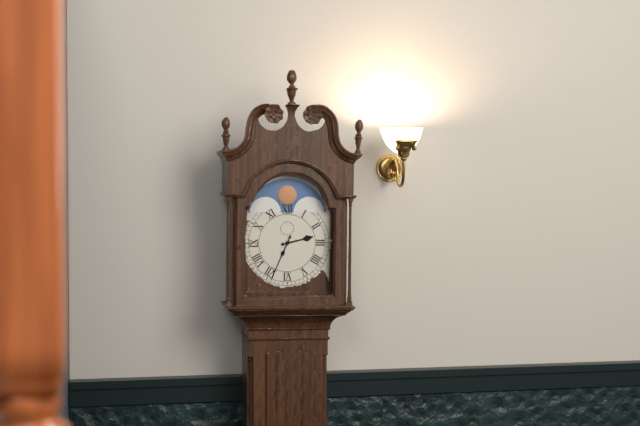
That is h=2 m=34
